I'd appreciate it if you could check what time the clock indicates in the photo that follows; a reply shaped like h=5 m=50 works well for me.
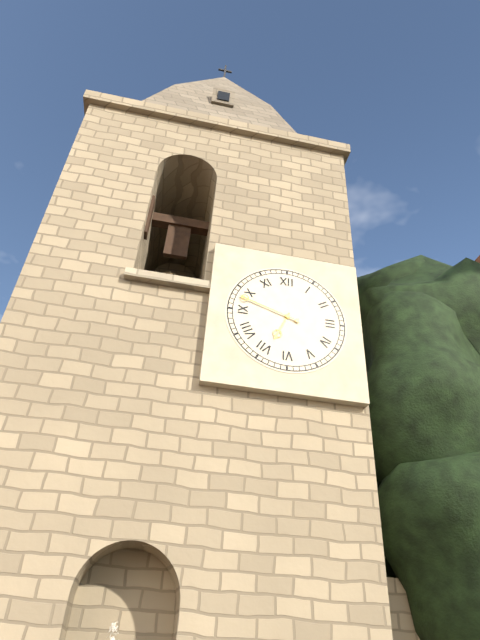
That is h=6 m=48
